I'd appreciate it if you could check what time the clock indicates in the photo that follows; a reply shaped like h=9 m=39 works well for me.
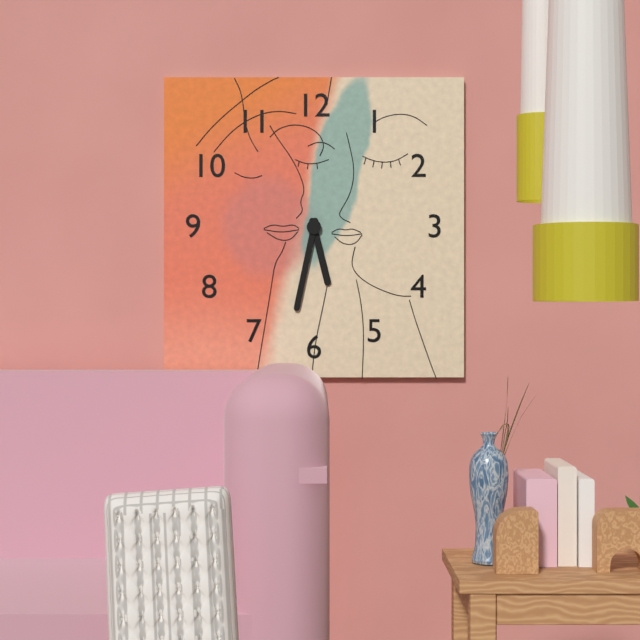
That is h=5 m=32
